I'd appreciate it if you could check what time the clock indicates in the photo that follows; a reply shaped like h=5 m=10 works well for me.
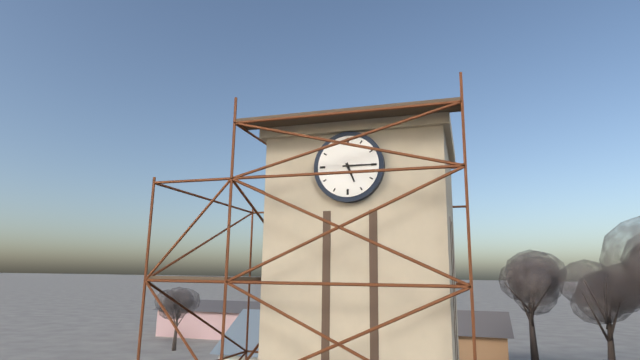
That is h=5 m=15
